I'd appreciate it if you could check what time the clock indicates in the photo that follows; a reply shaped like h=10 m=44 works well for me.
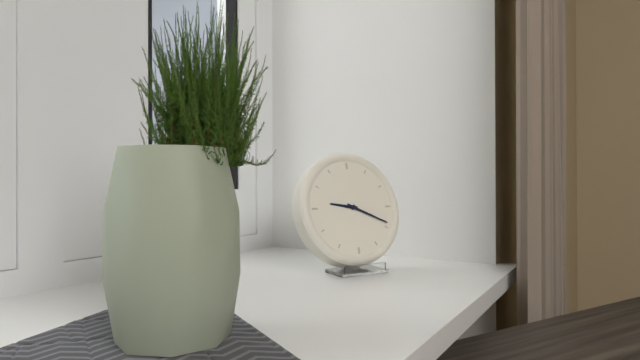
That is h=9 m=19
